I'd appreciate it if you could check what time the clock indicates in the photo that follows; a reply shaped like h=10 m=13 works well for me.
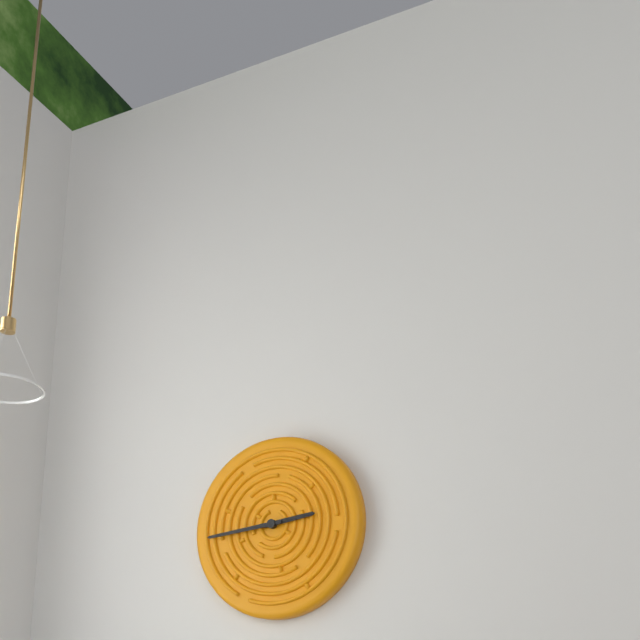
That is h=2 m=44
